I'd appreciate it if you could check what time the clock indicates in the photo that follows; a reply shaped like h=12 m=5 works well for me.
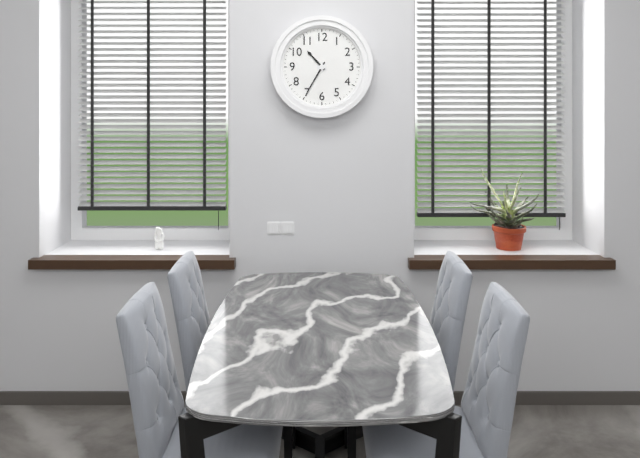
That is h=10 m=35
